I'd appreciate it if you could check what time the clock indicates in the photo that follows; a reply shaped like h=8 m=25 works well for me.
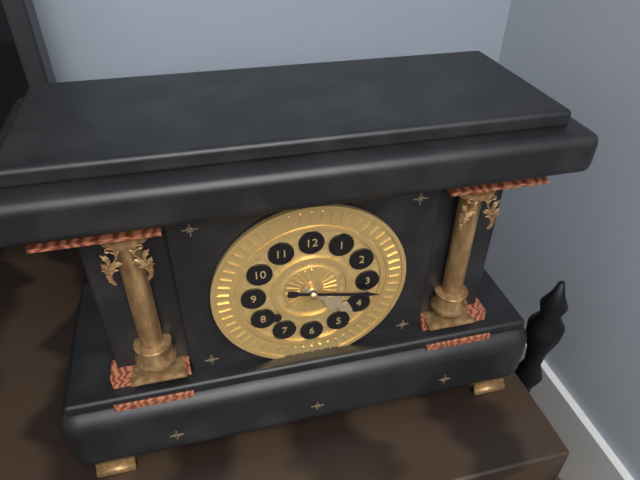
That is h=4 m=17
